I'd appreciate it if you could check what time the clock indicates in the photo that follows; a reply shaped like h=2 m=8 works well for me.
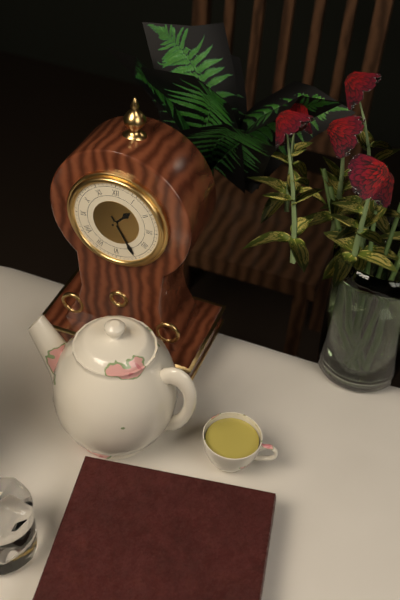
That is h=1 m=25
